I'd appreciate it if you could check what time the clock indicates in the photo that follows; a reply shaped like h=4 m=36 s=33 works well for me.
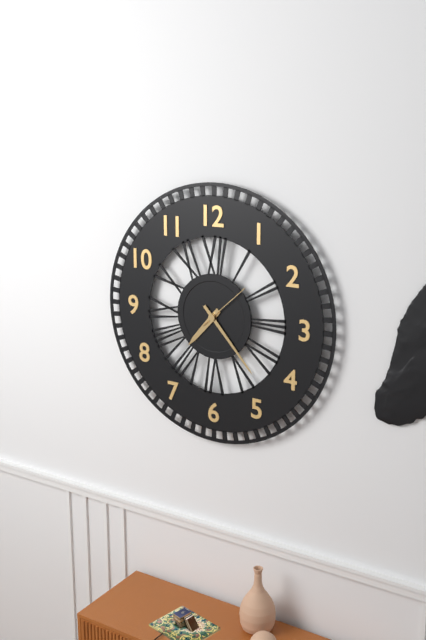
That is h=7 m=23 s=8
